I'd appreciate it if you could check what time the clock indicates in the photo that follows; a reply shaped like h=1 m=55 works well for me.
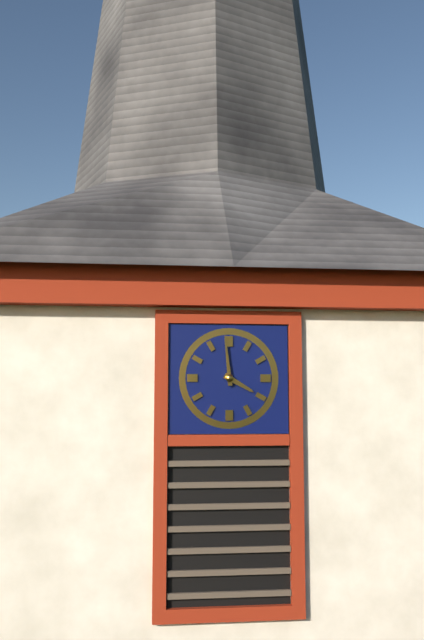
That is h=3 m=59
